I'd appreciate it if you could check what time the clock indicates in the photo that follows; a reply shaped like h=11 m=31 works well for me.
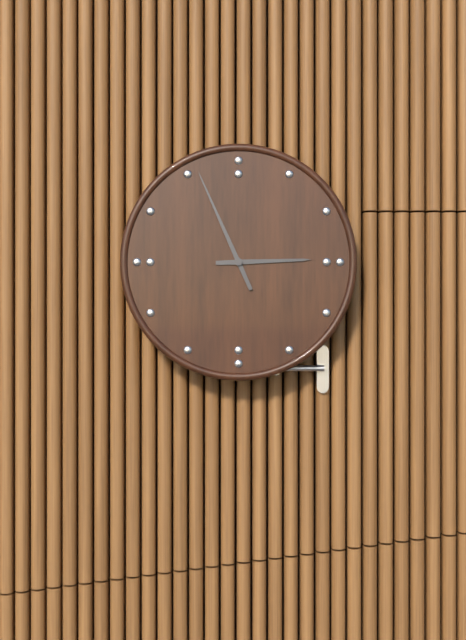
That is h=2 m=56
